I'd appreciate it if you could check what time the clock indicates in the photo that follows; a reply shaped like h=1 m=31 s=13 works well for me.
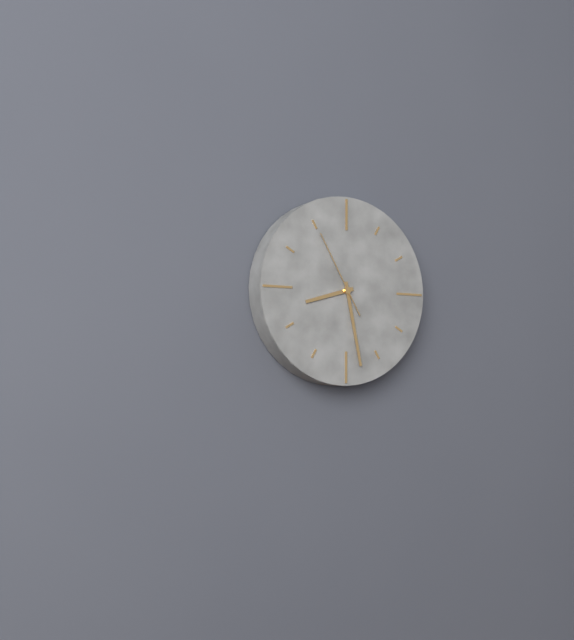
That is h=8 m=28 s=55
